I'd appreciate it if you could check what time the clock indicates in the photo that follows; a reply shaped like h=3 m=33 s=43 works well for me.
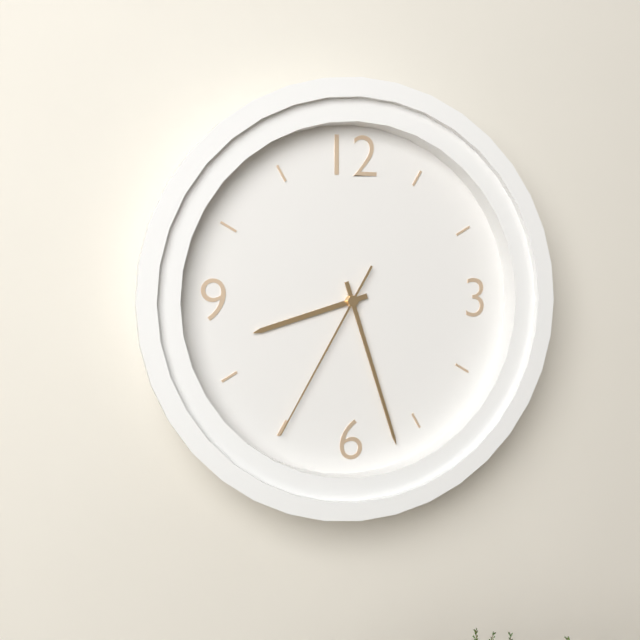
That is h=8 m=27 s=35
